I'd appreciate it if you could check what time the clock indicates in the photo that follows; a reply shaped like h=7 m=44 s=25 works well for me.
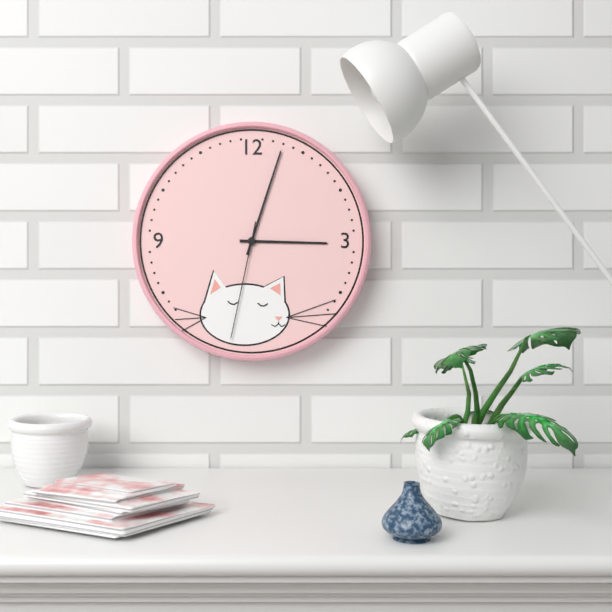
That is h=3 m=3 s=32
